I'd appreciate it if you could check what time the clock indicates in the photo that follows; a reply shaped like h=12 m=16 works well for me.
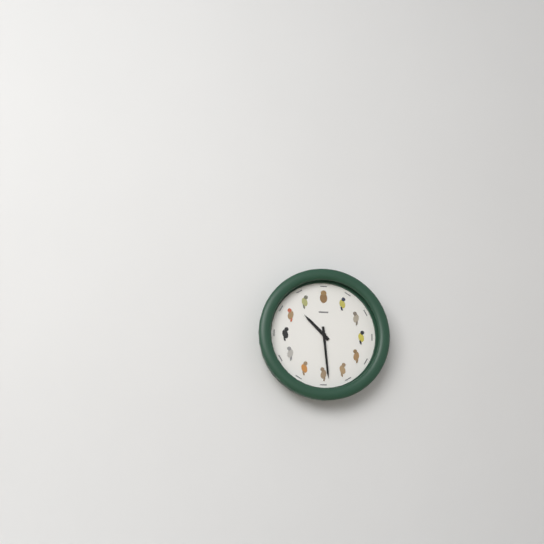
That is h=10 m=29
